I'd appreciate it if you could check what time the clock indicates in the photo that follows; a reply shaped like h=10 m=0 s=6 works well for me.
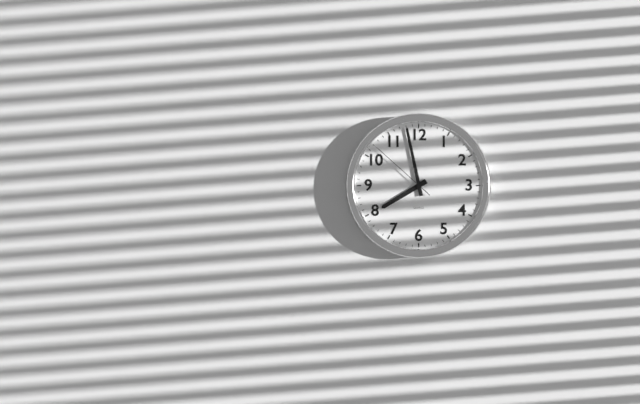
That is h=7 m=58 s=52
